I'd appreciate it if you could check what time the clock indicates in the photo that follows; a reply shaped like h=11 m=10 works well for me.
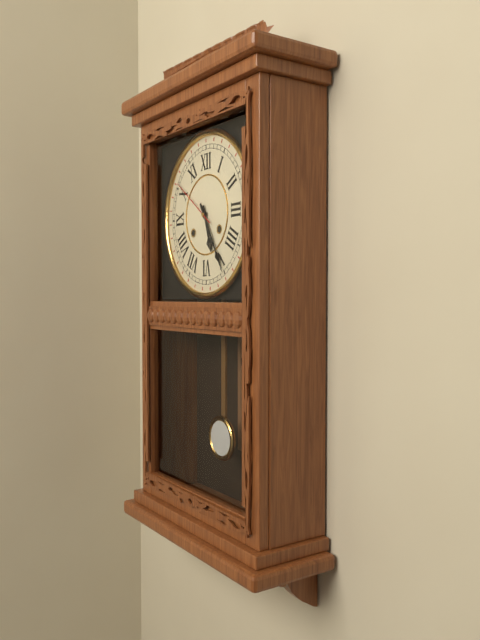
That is h=5 m=25
